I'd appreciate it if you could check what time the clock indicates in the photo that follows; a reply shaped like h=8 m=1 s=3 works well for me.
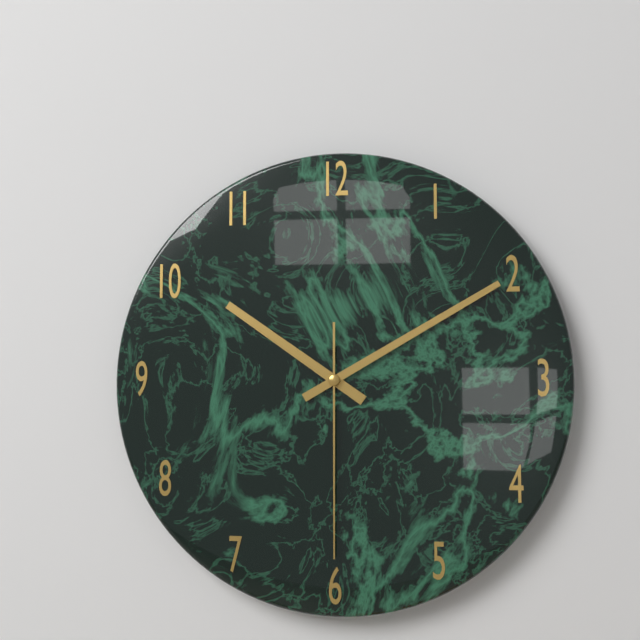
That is h=10 m=10 s=30
